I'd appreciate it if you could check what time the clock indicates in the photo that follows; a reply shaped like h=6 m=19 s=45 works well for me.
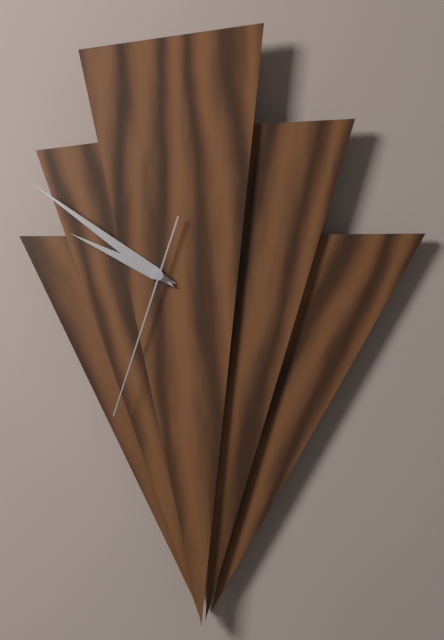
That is h=9 m=51 s=33
